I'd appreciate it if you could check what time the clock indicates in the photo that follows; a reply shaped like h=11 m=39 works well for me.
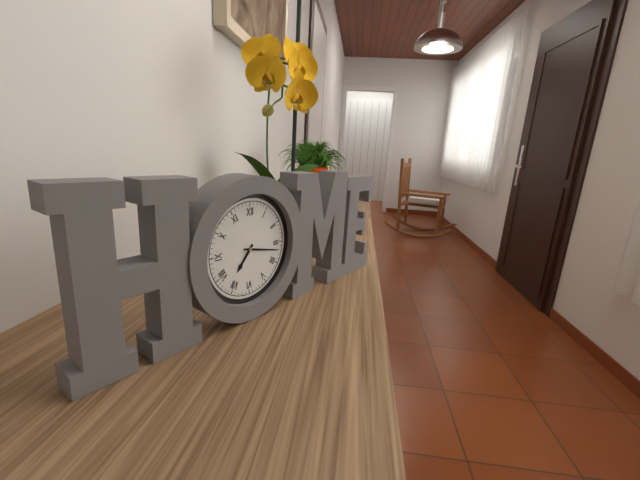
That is h=7 m=17
